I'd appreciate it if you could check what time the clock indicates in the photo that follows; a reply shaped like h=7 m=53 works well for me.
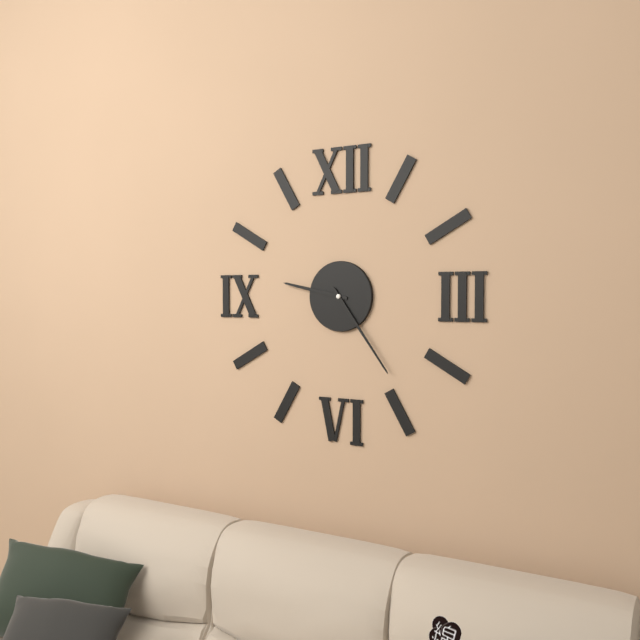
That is h=9 m=24
